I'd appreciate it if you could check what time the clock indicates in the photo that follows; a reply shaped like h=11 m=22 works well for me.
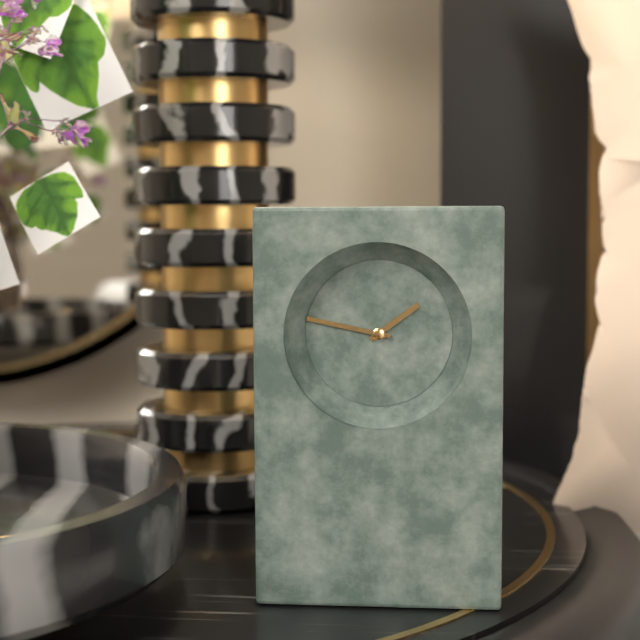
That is h=1 m=47
